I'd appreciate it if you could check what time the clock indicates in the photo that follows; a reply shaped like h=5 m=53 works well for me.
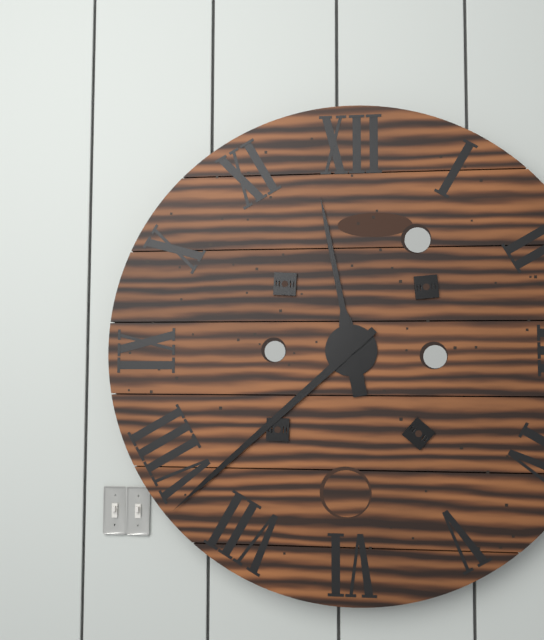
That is h=11 m=38
